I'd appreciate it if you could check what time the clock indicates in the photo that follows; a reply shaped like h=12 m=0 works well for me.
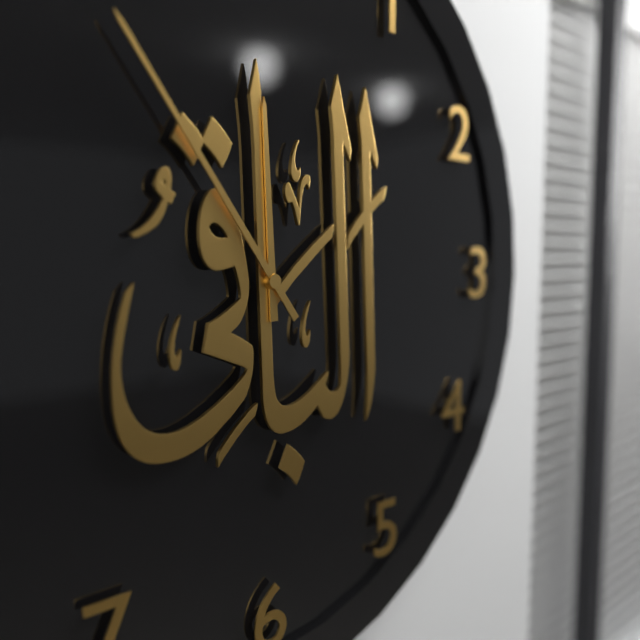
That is h=11 m=54
